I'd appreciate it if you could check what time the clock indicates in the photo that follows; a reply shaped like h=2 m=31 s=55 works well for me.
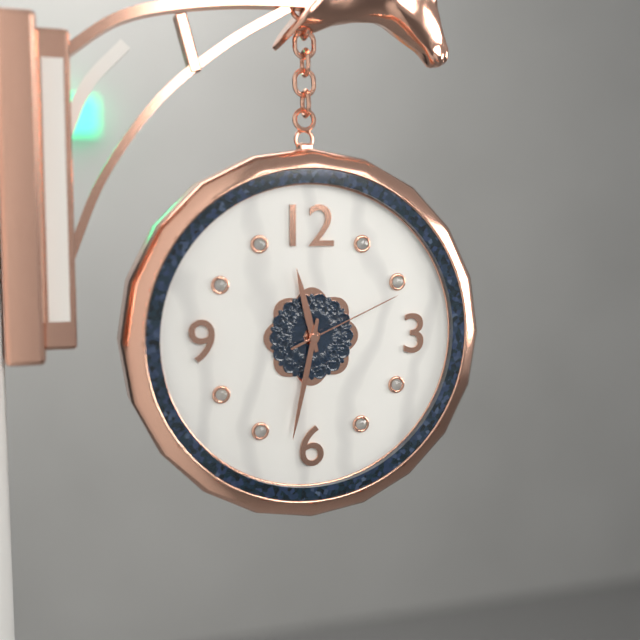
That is h=11 m=32 s=11
